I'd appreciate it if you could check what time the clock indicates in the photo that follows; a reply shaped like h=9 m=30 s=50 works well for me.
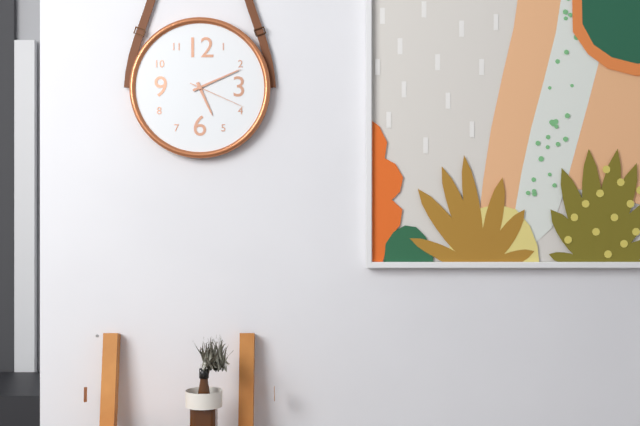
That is h=5 m=11 s=19
